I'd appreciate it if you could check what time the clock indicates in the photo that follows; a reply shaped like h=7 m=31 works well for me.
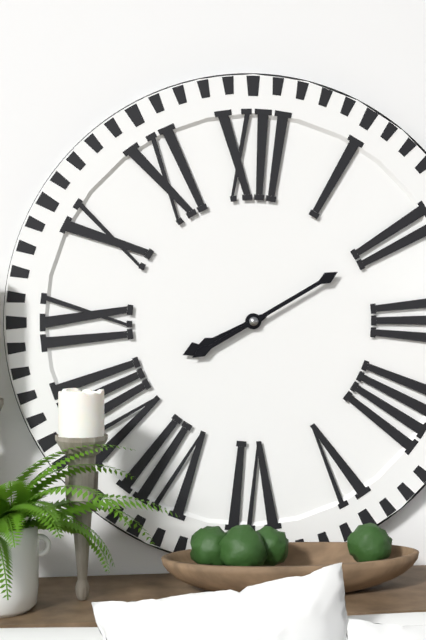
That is h=8 m=10
